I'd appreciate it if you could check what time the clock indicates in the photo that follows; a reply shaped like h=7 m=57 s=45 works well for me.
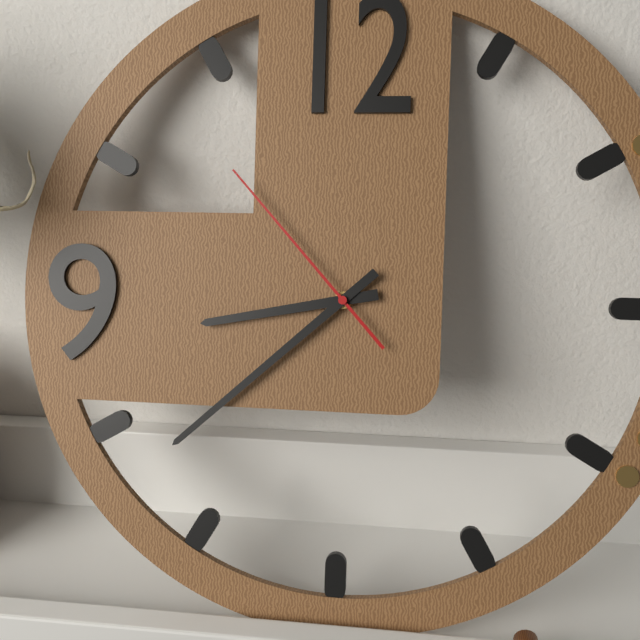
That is h=8 m=38 s=53
